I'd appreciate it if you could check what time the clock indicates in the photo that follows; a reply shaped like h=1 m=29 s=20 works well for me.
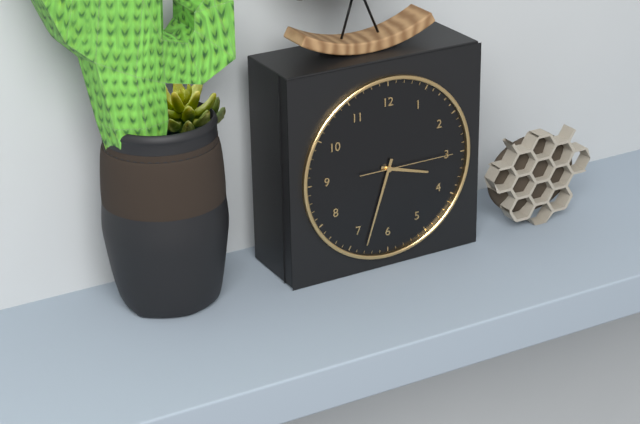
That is h=3 m=33 s=15
